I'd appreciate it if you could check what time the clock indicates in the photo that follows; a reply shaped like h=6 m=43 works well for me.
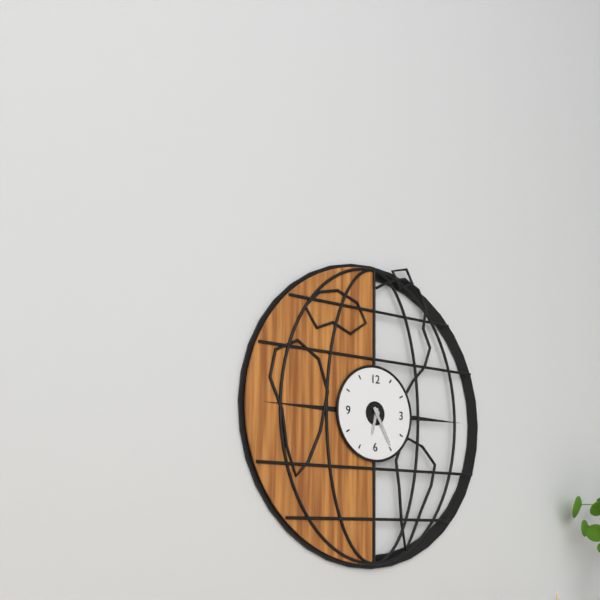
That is h=6 m=25
